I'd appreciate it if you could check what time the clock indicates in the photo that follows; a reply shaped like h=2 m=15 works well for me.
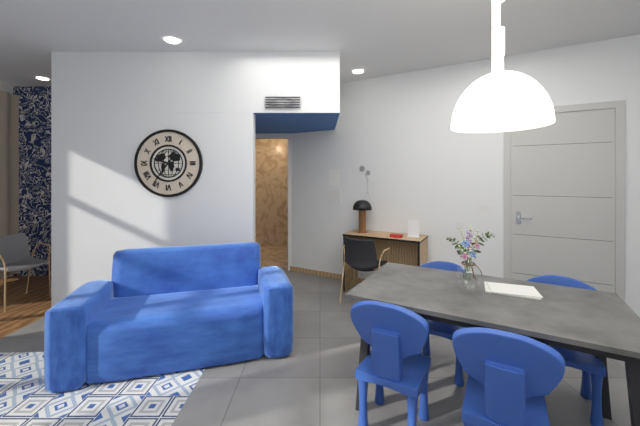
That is h=9 m=36
